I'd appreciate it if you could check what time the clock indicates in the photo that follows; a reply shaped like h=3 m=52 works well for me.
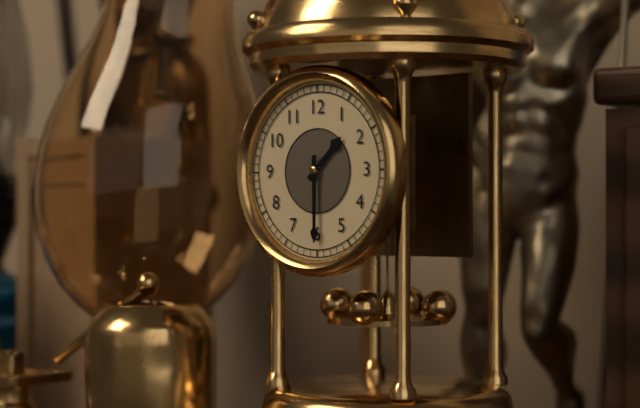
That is h=1 m=30
